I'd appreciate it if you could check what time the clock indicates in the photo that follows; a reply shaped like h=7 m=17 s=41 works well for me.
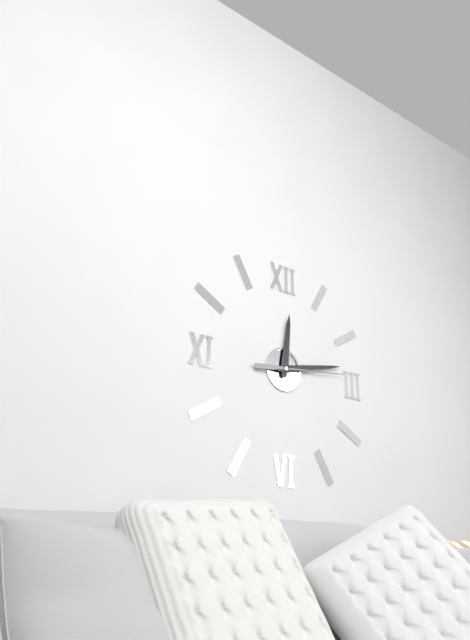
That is h=12 m=13 s=14
